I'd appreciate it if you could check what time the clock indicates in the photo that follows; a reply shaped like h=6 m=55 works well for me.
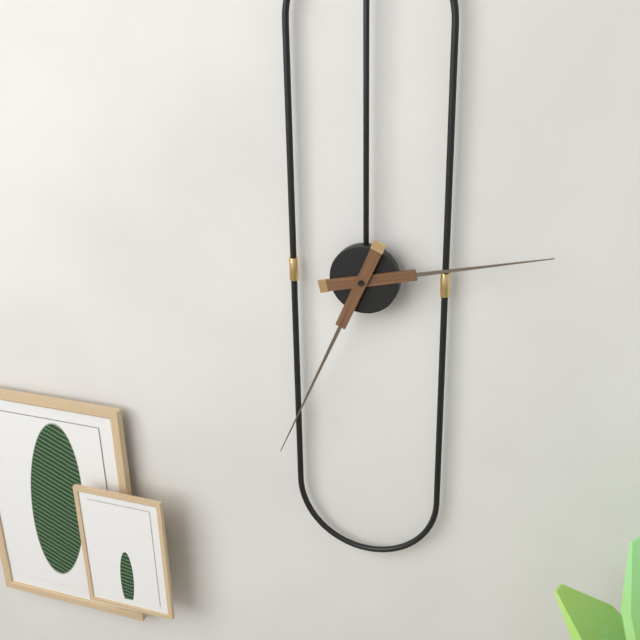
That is h=2 m=34
